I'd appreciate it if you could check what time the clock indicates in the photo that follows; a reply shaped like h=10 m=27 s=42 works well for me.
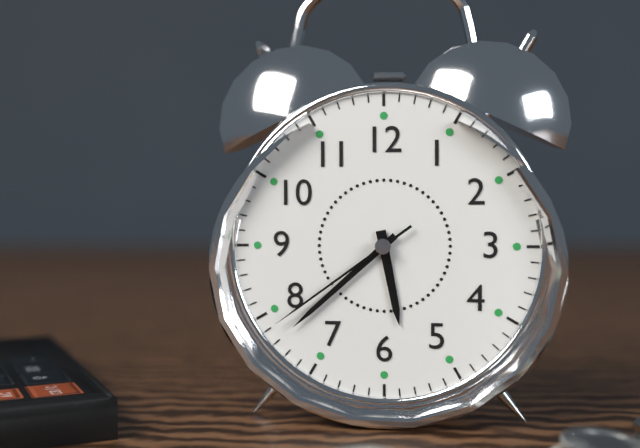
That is h=5 m=38 s=39
